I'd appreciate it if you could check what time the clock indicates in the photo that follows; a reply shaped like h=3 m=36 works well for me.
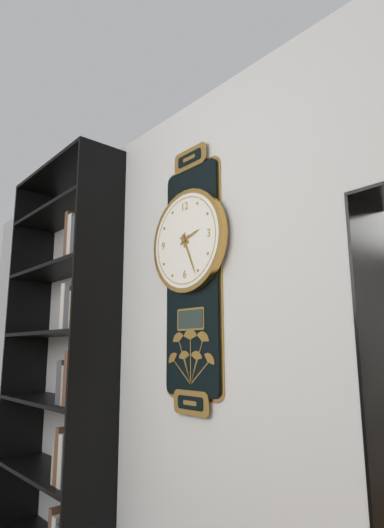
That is h=2 m=26
